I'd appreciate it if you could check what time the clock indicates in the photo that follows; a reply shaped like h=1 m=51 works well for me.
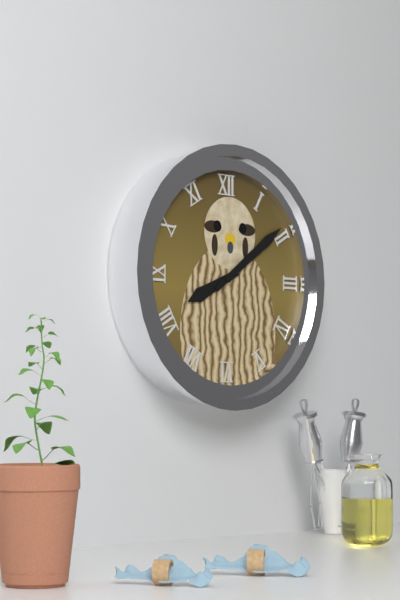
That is h=8 m=9
